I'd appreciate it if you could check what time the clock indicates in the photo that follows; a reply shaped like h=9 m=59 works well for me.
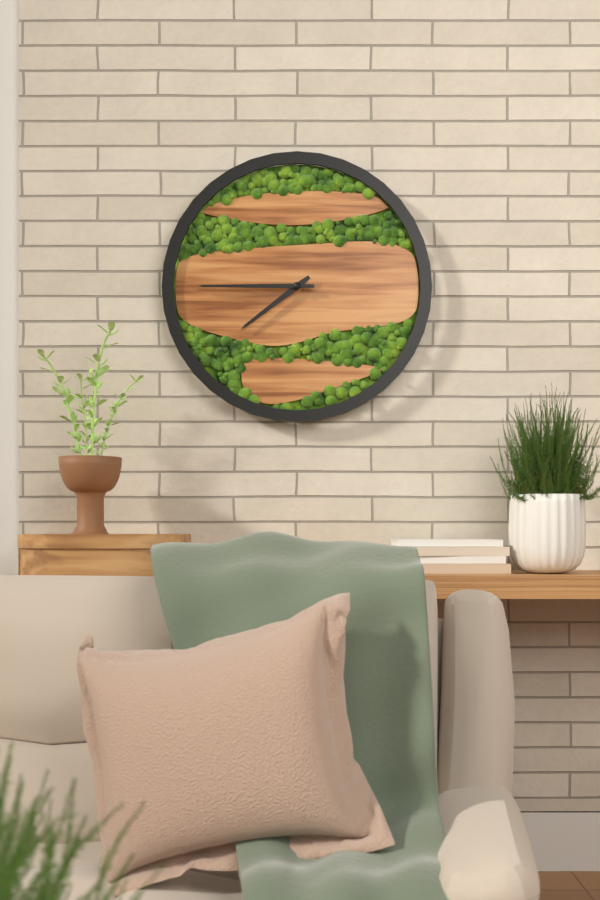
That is h=7 m=45
